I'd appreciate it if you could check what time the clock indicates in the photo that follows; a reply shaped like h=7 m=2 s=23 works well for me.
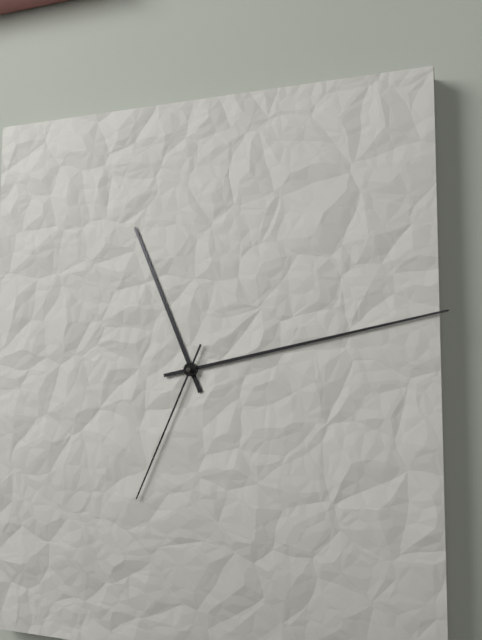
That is h=11 m=13 s=34
